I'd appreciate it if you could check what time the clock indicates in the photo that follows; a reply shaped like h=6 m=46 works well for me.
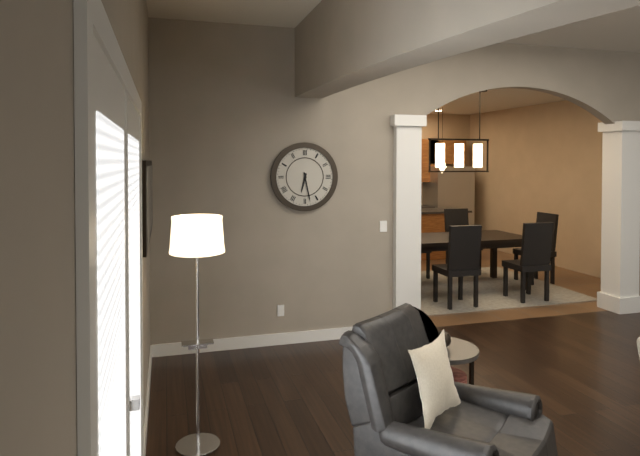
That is h=6 m=28
